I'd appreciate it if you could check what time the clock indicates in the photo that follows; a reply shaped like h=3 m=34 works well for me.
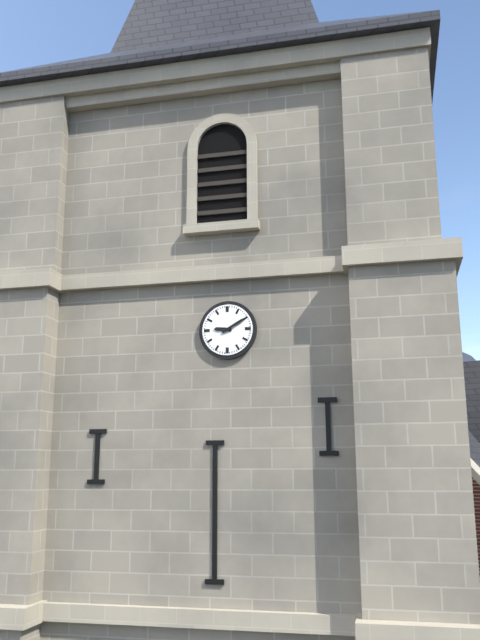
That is h=9 m=10
